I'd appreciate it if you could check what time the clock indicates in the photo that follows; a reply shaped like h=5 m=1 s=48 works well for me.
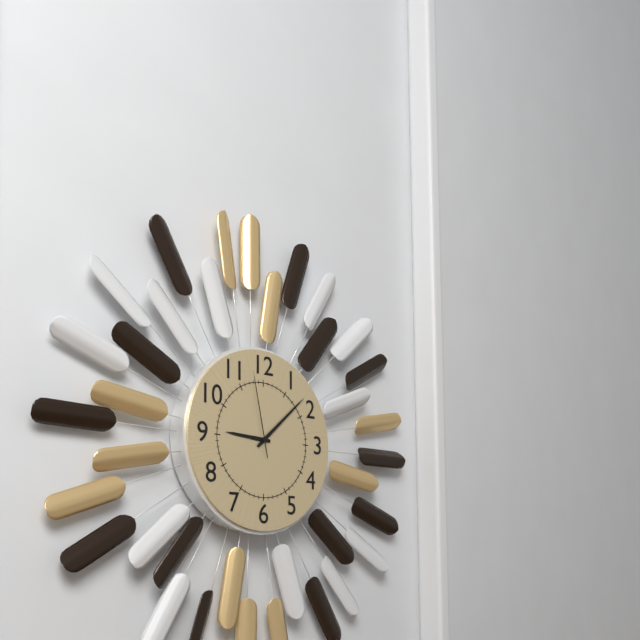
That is h=9 m=8 s=58
